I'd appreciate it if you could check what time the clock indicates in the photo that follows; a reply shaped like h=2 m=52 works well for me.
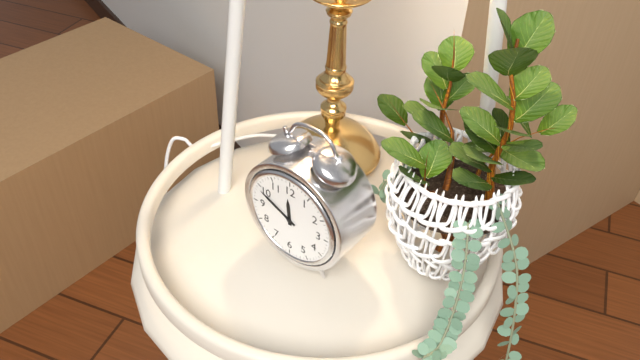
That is h=11 m=49
